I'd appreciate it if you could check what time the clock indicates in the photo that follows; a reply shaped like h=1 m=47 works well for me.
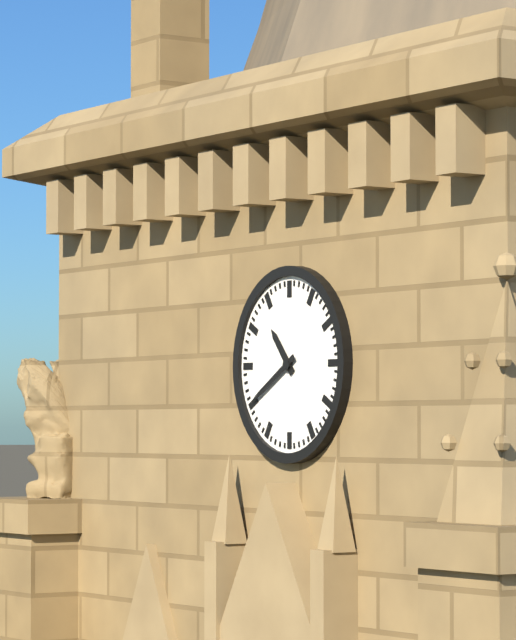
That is h=10 m=40
